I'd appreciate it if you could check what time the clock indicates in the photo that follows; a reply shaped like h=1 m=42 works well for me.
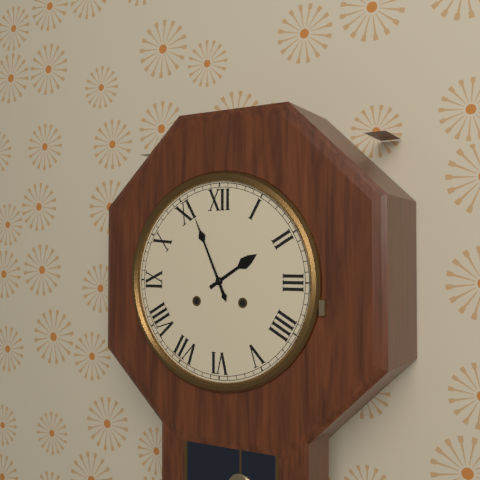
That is h=1 m=56
